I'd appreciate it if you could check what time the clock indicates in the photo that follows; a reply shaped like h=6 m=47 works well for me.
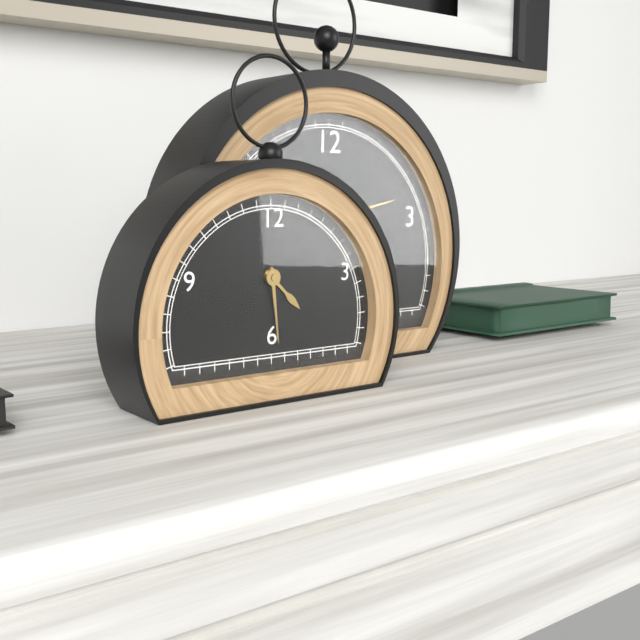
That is h=4 m=29
